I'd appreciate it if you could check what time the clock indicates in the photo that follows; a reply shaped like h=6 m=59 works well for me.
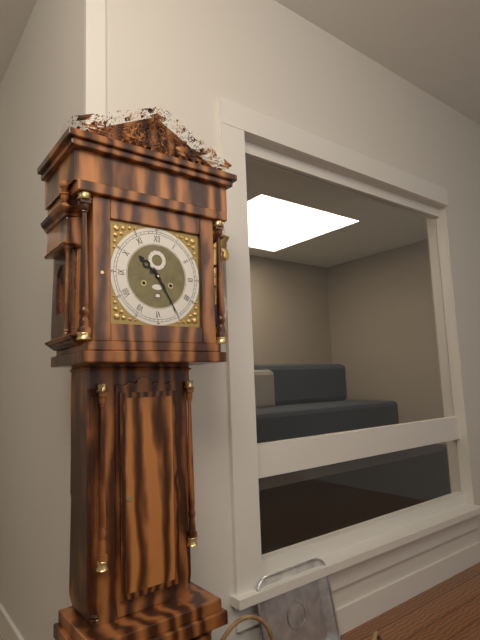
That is h=10 m=25
